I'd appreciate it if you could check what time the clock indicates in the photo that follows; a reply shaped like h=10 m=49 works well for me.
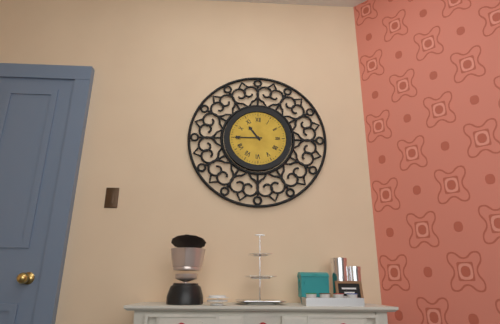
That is h=10 m=45
